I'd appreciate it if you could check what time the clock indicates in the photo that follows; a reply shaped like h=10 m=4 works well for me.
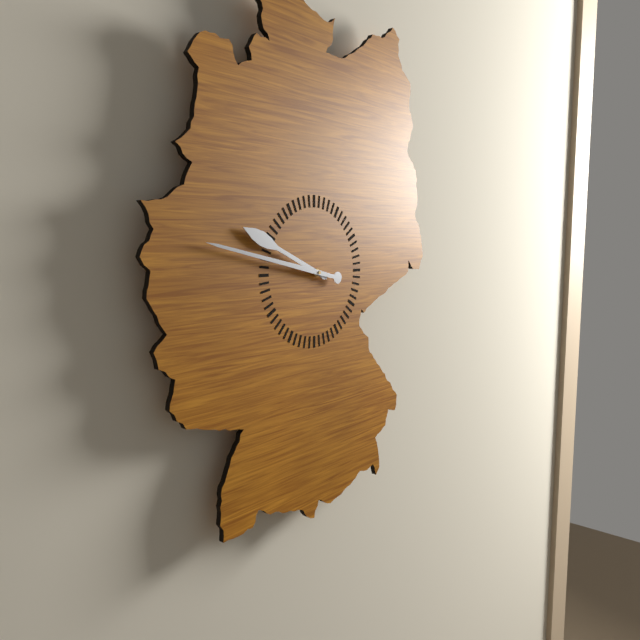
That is h=9 m=47
